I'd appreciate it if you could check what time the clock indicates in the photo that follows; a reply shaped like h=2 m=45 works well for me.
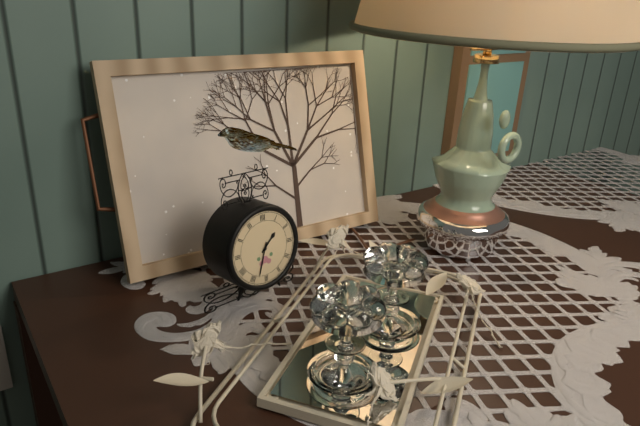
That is h=1 m=33
